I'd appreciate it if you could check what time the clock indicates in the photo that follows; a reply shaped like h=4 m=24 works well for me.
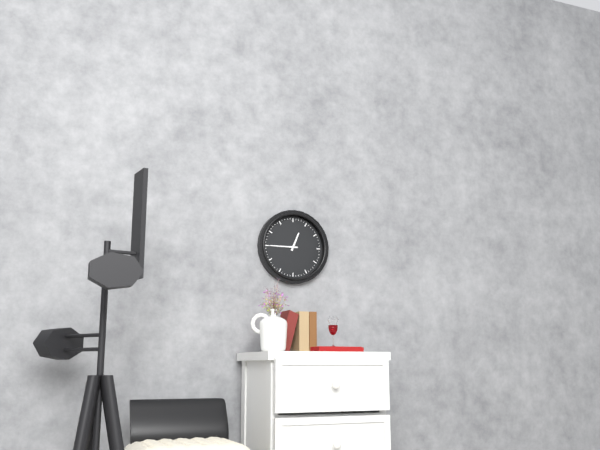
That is h=12 m=45
